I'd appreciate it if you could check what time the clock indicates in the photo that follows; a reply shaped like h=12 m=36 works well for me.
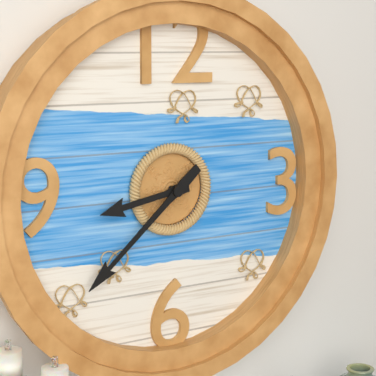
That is h=8 m=38
